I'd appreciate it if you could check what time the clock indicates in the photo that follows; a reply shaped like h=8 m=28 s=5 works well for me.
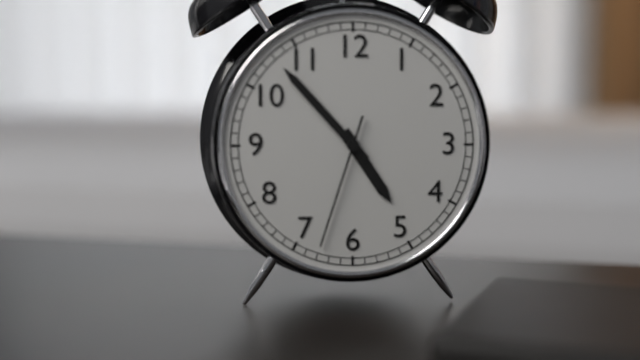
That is h=4 m=53 s=33
